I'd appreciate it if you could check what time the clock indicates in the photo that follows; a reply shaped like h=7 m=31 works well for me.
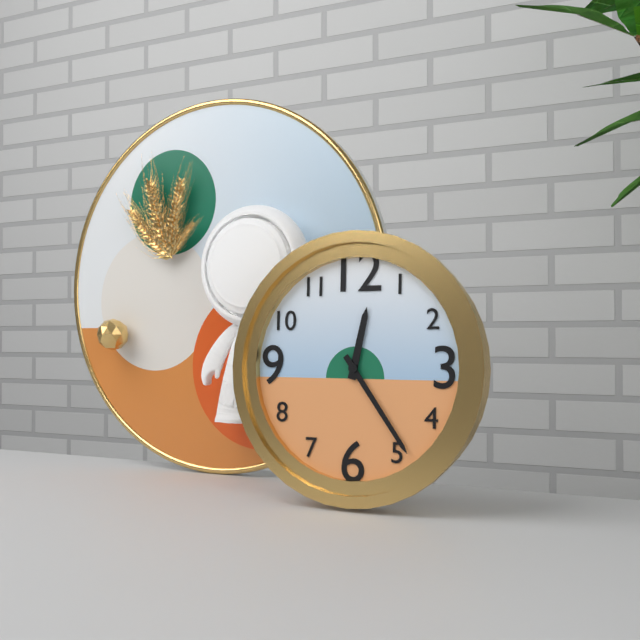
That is h=12 m=24
